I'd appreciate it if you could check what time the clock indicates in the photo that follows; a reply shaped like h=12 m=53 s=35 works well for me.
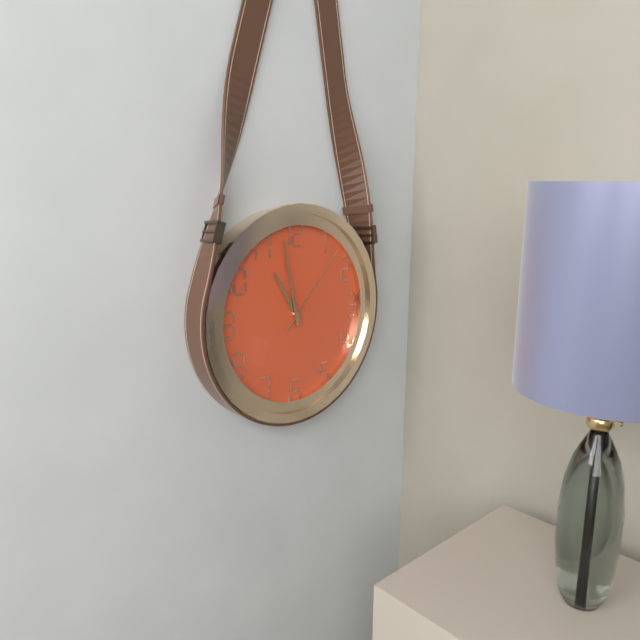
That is h=10 m=58 s=7
